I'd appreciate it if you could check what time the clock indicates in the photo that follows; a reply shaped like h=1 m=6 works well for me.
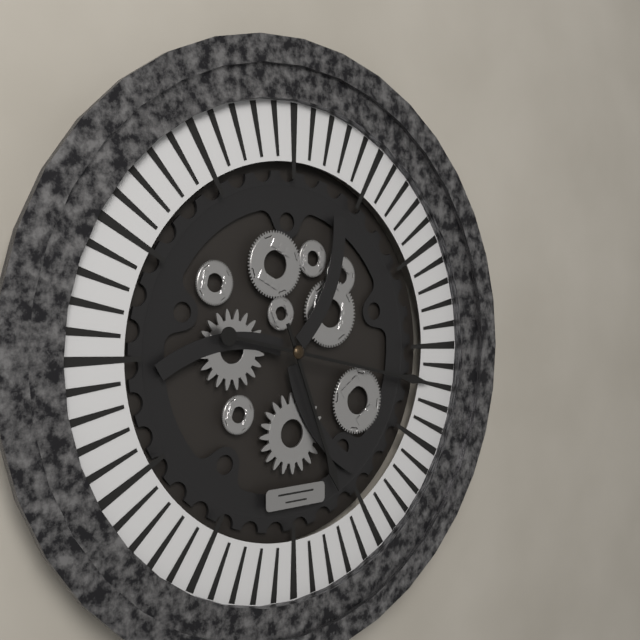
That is h=5 m=17
